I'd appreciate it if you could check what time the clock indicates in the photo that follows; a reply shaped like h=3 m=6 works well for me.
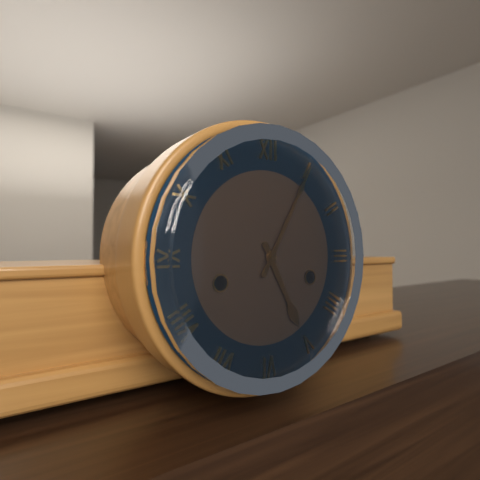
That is h=5 m=5
